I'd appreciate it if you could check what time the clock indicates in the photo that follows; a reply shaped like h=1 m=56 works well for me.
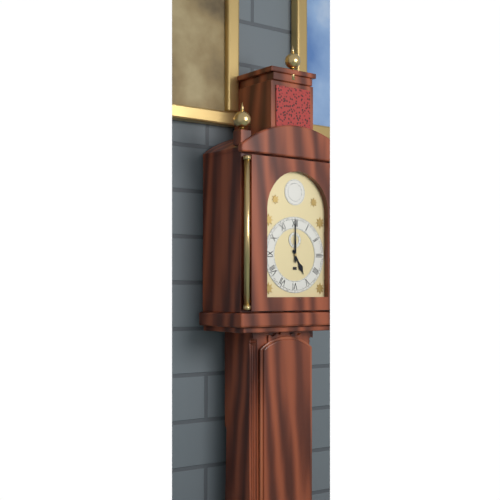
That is h=5 m=0
